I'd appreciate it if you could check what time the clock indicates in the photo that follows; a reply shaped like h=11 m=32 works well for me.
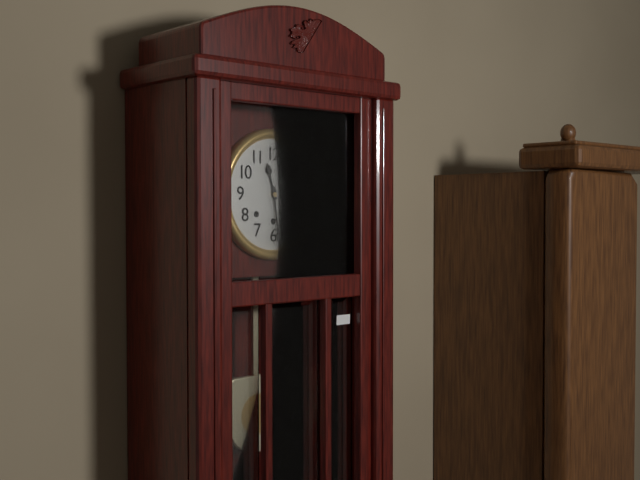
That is h=11 m=29
